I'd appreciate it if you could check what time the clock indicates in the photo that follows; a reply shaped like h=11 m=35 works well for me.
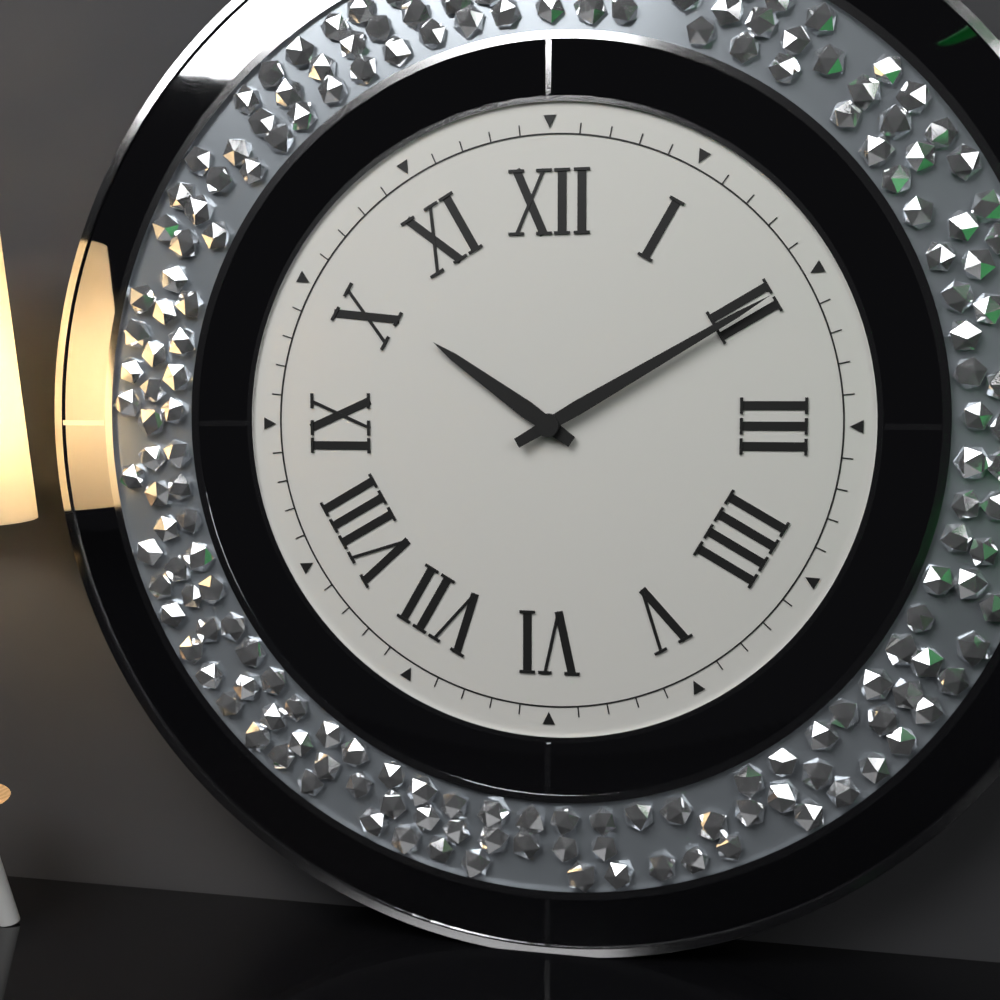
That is h=10 m=10
